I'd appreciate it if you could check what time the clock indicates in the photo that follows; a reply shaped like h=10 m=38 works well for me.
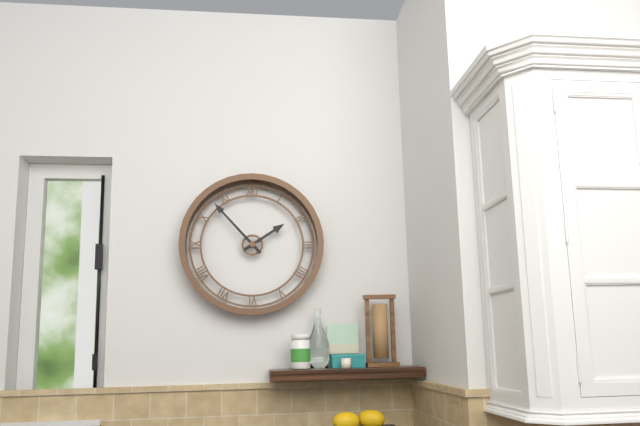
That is h=1 m=53
